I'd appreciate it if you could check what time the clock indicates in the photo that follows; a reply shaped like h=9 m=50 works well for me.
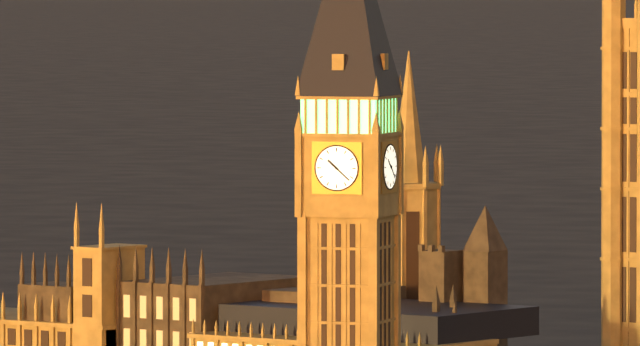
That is h=10 m=22
